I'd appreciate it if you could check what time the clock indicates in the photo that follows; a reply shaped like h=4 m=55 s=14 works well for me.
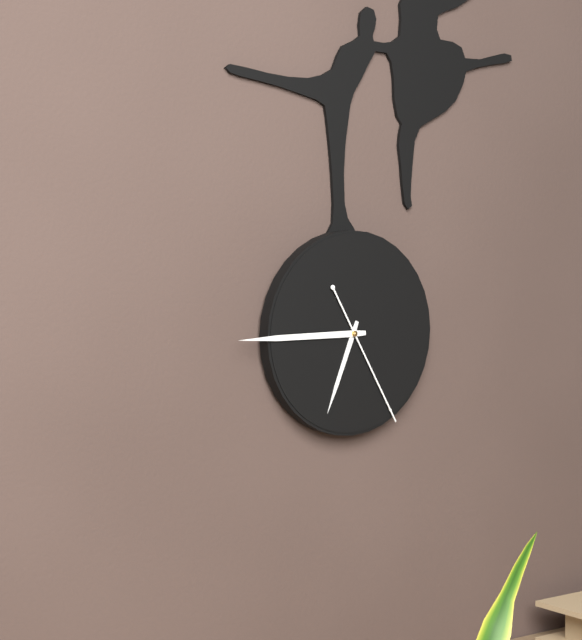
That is h=6 m=45 s=25
